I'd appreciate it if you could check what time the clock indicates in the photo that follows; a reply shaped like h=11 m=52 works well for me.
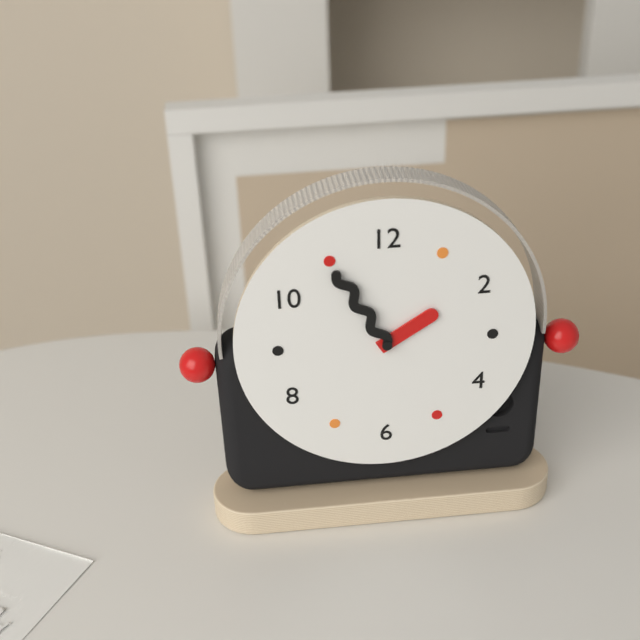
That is h=1 m=55
